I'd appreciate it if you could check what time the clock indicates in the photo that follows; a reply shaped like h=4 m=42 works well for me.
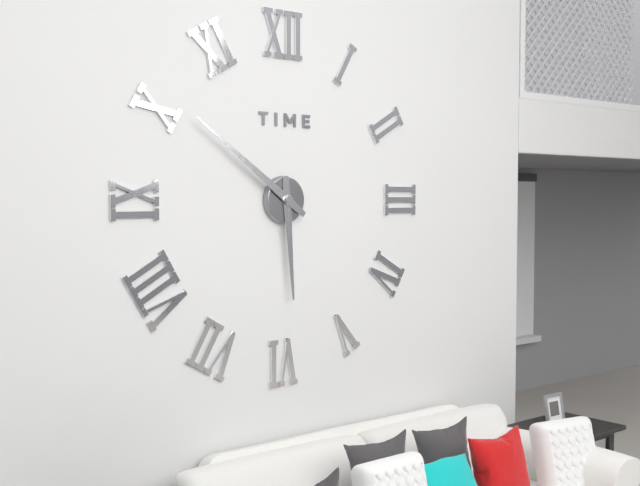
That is h=5 m=51
